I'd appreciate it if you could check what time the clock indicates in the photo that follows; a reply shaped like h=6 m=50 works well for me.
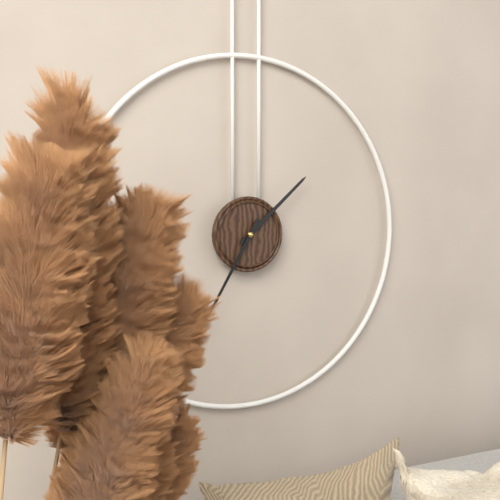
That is h=1 m=35
